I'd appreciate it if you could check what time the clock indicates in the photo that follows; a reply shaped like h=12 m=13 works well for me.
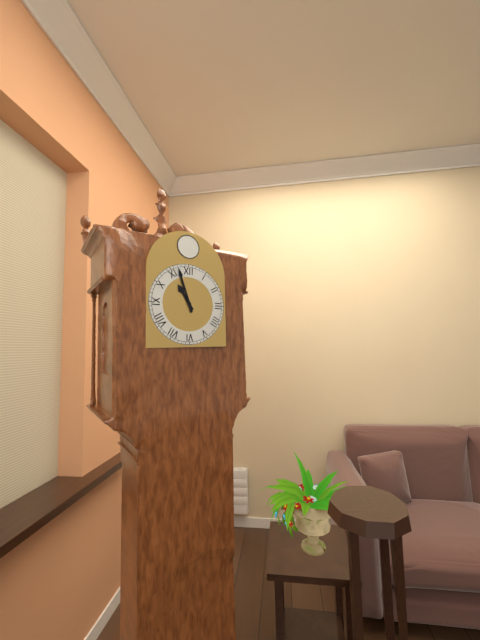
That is h=10 m=57
